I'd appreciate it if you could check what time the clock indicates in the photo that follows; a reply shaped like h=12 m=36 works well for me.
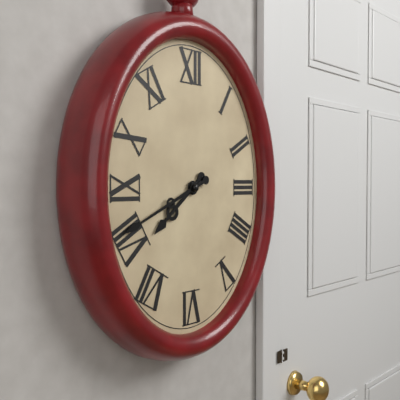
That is h=7 m=41
